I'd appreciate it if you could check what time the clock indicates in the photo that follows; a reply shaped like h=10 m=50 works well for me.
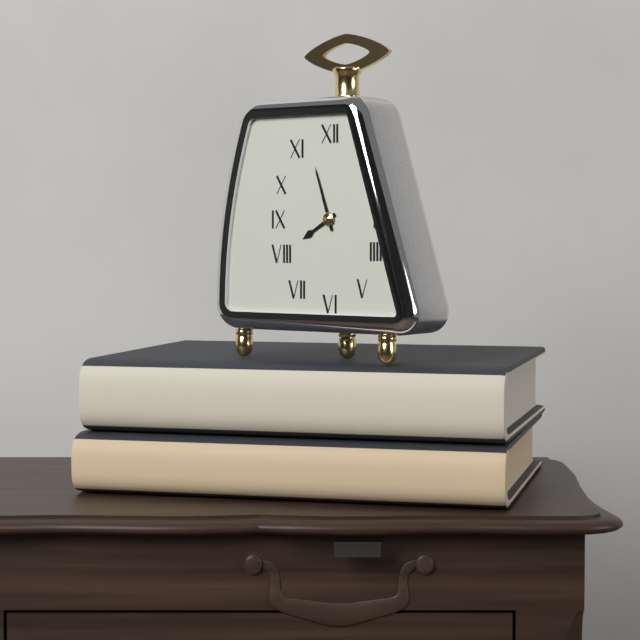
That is h=7 m=57
